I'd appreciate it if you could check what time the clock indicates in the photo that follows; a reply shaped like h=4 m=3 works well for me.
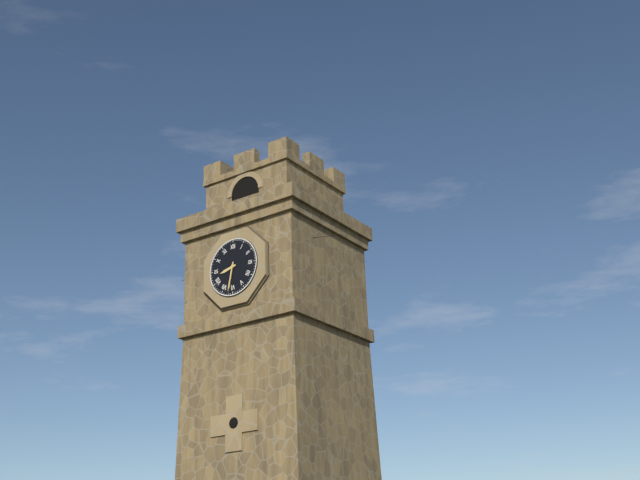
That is h=8 m=32
